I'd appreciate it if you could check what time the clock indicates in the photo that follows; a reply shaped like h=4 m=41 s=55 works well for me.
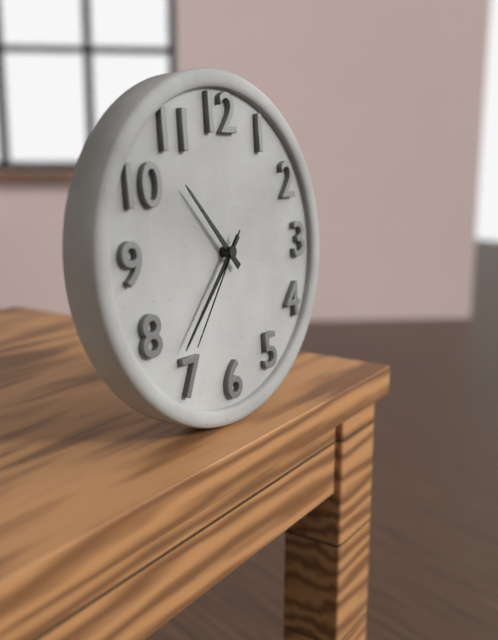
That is h=10 m=37 s=36
